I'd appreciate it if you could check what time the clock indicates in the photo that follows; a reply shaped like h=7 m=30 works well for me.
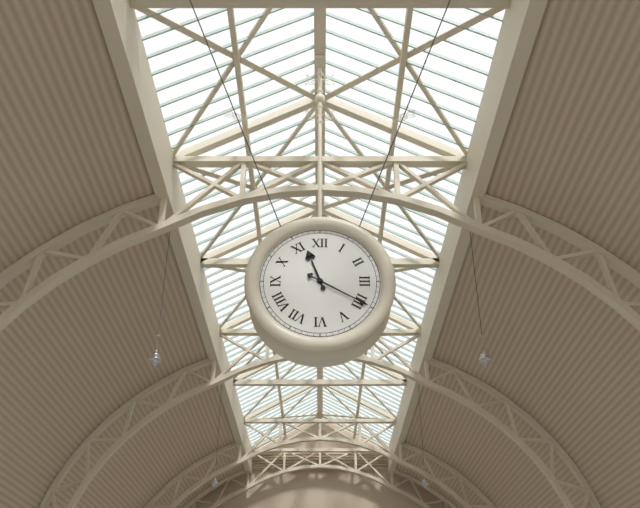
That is h=11 m=20
